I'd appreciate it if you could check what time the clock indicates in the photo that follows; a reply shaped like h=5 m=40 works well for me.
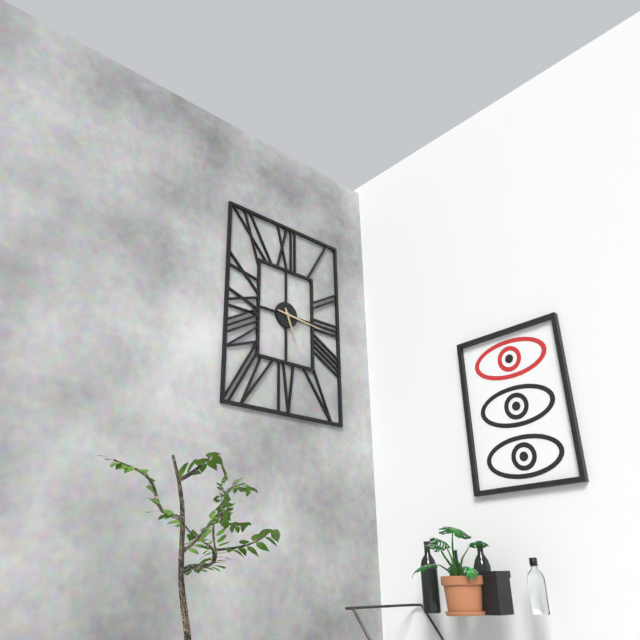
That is h=5 m=16
